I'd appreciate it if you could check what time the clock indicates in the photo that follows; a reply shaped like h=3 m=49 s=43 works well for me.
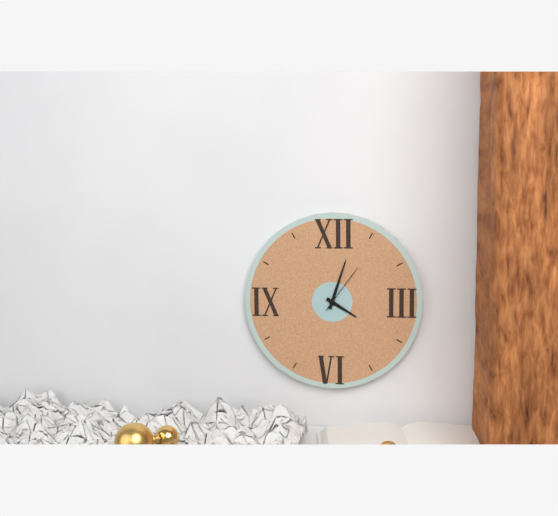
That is h=4 m=3 s=6
